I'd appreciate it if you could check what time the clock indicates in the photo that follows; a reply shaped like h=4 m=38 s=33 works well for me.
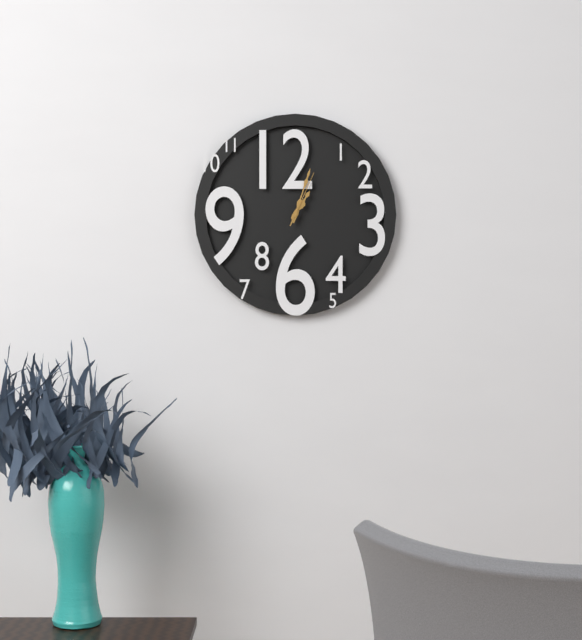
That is h=1 m=3 s=4
